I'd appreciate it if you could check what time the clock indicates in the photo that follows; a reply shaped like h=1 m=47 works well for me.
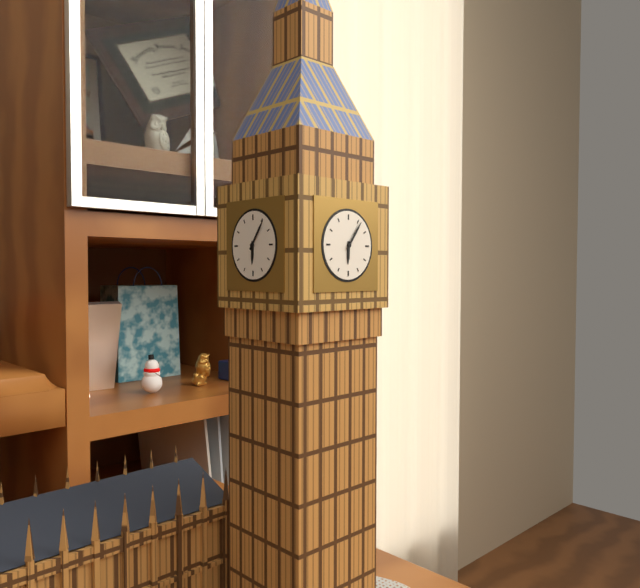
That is h=6 m=6
